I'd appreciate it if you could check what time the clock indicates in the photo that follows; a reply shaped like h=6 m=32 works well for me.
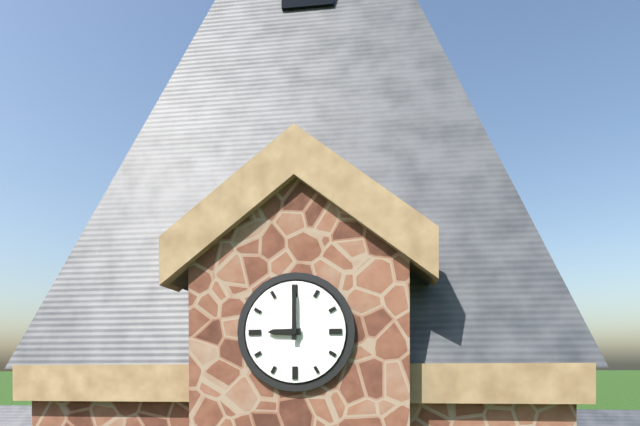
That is h=9 m=0
